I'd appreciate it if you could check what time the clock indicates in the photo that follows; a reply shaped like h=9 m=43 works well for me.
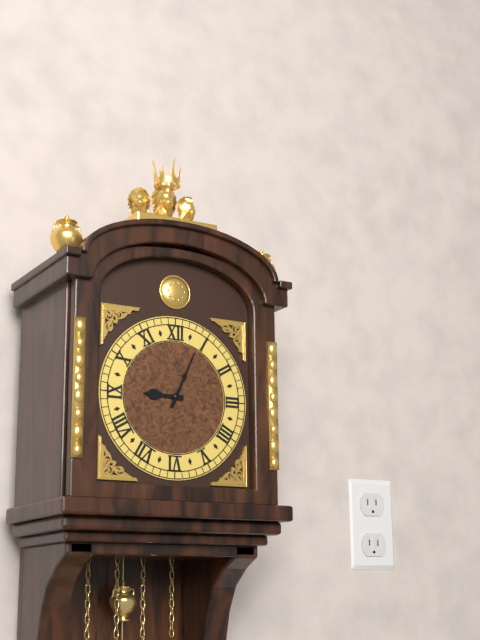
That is h=9 m=4
